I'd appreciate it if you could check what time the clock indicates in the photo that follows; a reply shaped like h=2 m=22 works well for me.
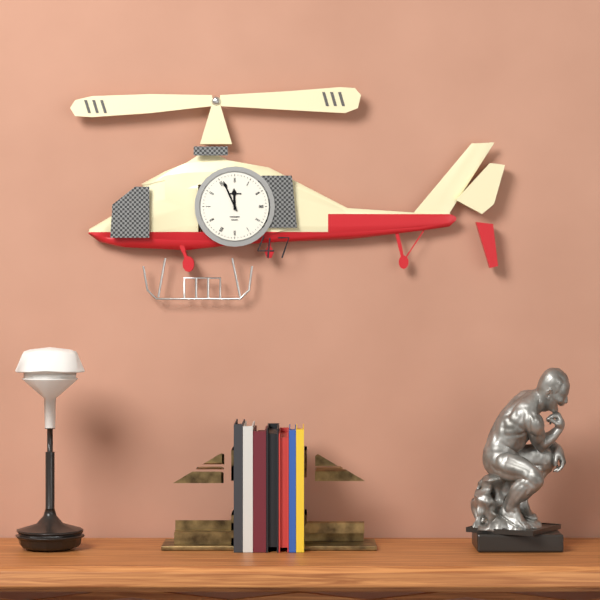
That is h=11 m=56
